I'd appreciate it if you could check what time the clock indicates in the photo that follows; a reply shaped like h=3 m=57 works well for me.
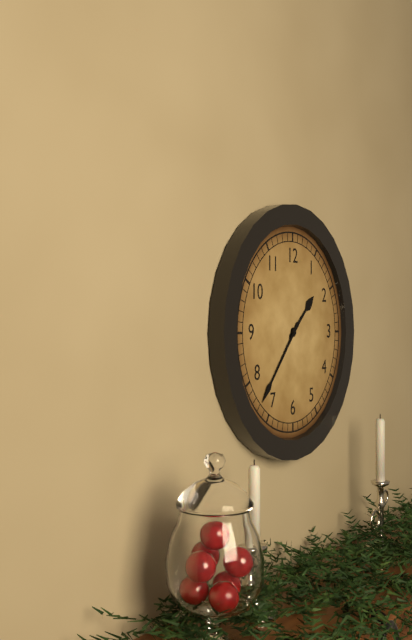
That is h=1 m=37
